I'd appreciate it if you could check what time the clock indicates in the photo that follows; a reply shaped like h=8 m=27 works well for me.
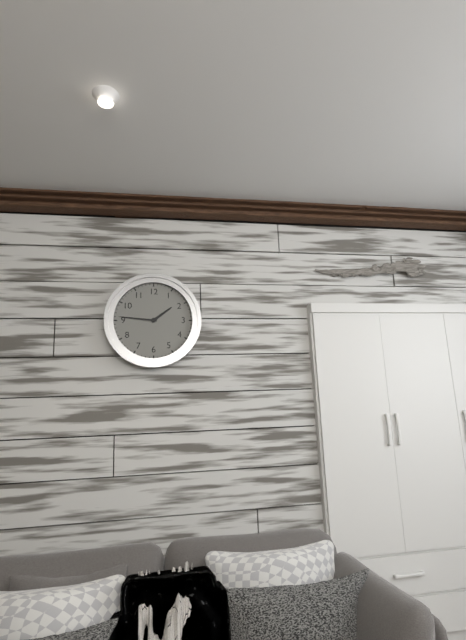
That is h=1 m=46
